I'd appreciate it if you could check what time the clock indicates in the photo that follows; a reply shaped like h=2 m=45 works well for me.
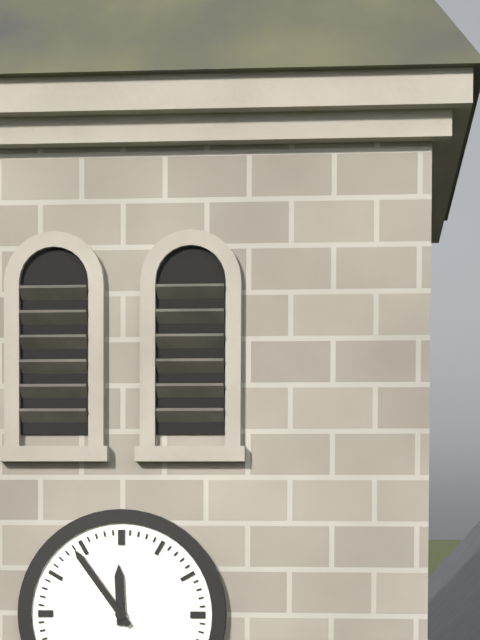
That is h=11 m=54
